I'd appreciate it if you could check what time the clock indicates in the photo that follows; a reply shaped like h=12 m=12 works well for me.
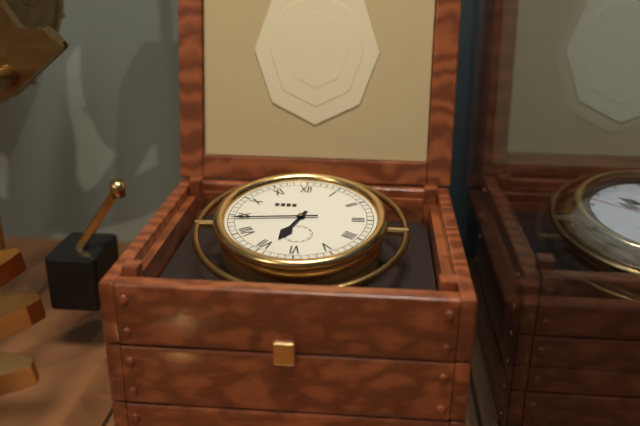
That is h=6 m=44
